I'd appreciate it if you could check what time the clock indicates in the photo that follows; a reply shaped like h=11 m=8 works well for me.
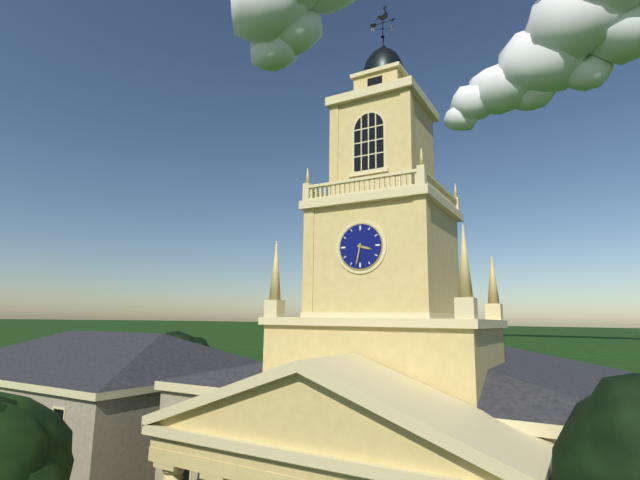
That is h=3 m=32
